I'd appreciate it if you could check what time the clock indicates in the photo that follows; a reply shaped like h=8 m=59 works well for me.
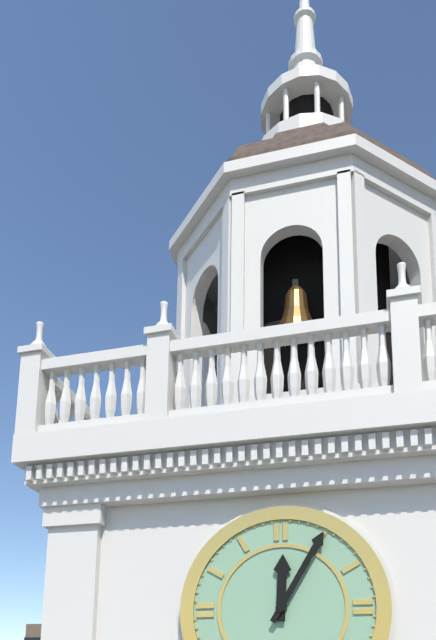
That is h=12 m=5
